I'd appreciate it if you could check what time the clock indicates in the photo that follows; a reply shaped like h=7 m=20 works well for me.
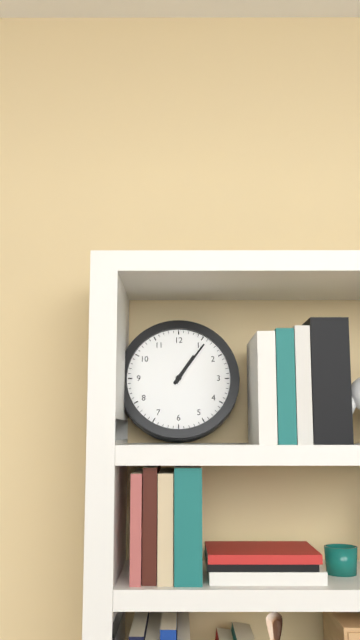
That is h=1 m=6
